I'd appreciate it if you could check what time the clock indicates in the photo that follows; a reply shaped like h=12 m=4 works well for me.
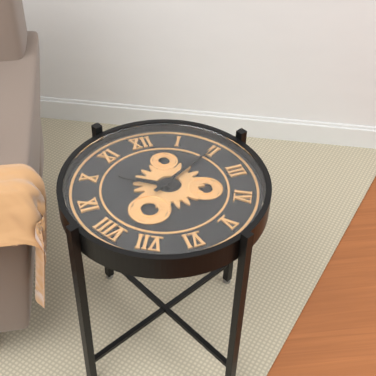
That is h=10 m=10
